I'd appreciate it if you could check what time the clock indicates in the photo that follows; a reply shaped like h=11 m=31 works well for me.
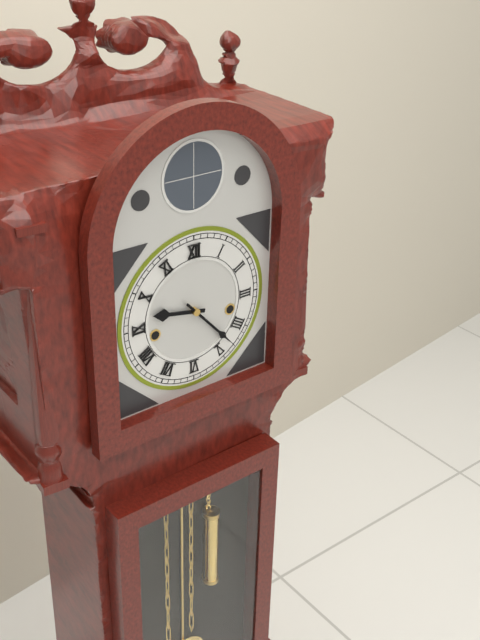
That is h=9 m=23
